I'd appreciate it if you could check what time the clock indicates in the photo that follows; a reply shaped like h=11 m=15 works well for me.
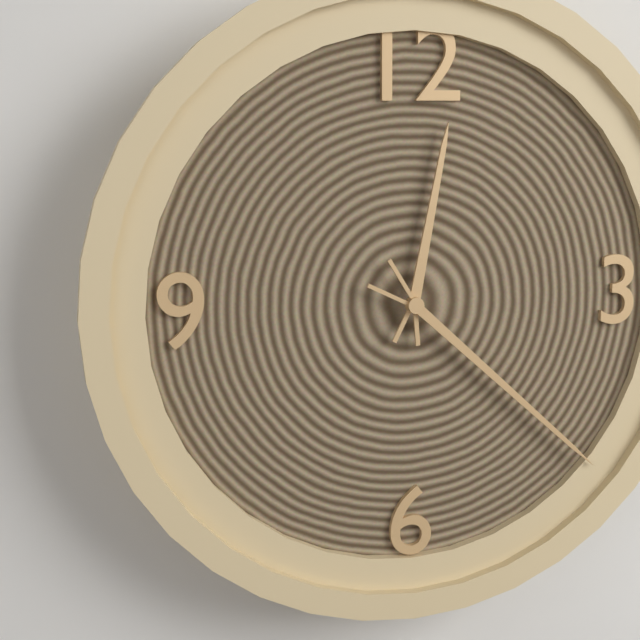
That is h=12 m=22
